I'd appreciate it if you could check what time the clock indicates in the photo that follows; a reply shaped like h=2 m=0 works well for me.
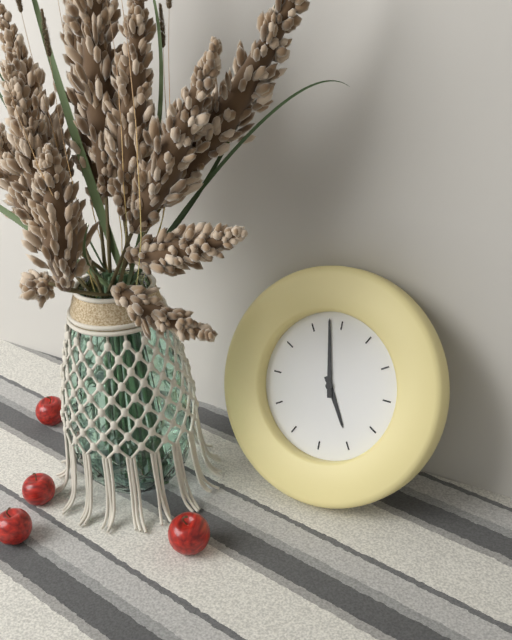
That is h=4 m=58
